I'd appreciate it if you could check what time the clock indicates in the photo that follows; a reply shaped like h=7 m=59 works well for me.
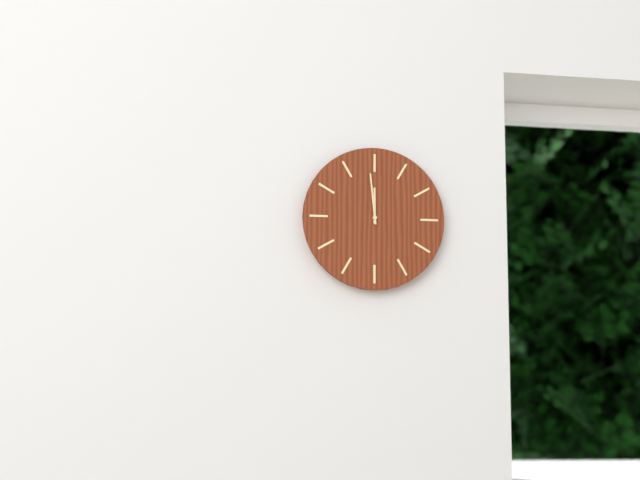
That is h=11 m=59
